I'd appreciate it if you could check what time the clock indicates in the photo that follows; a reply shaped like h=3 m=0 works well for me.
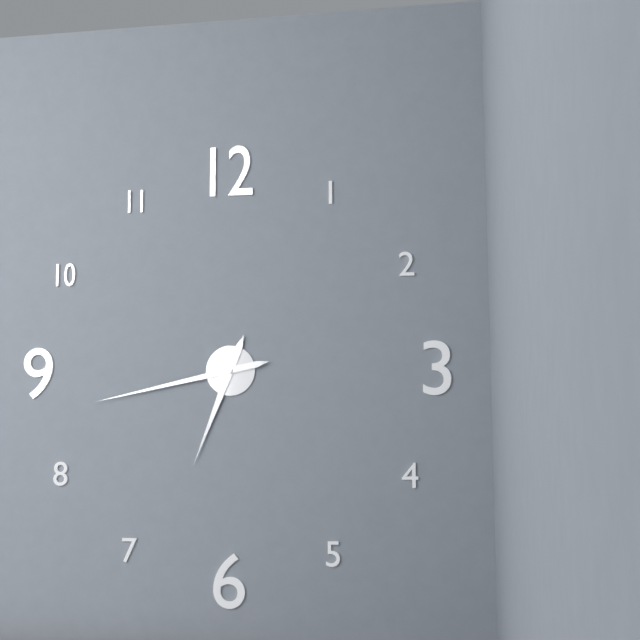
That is h=6 m=43
